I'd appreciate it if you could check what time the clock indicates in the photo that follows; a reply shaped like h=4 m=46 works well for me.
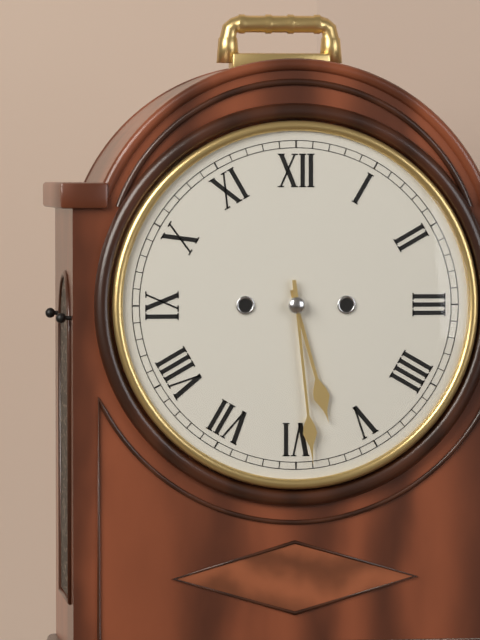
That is h=5 m=29
